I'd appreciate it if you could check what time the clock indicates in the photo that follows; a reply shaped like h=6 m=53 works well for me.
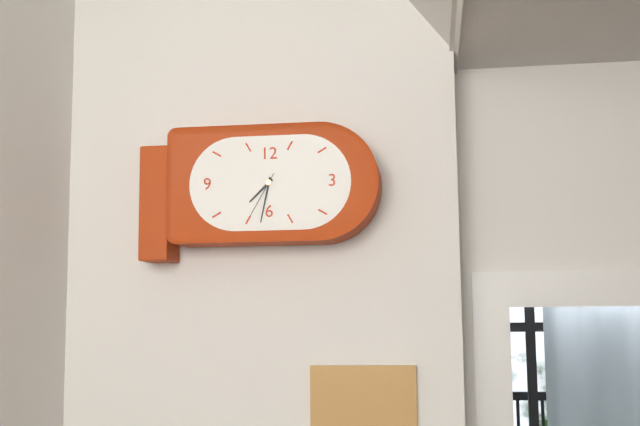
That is h=7 m=32
